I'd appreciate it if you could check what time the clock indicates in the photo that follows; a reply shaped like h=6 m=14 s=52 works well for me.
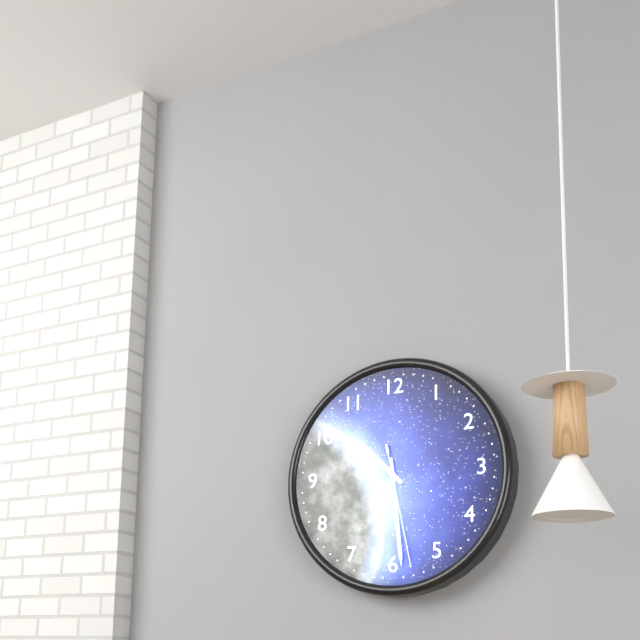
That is h=10 m=29 s=28
